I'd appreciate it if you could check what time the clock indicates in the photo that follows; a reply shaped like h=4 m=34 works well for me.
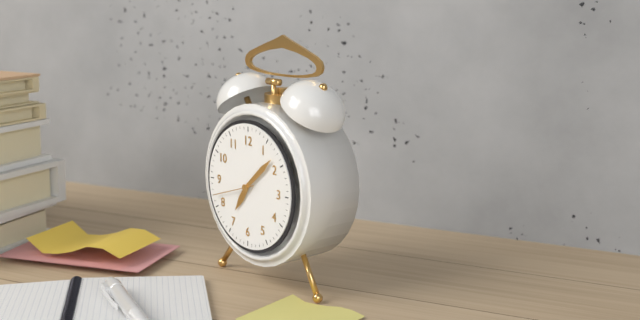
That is h=7 m=8
